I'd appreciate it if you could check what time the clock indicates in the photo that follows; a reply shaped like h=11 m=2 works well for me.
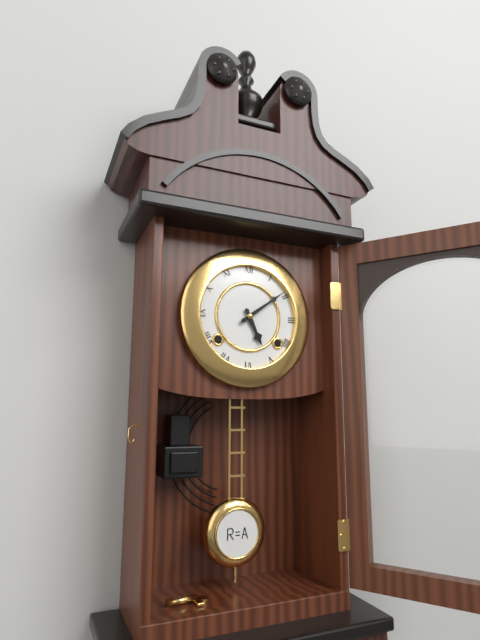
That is h=5 m=9
